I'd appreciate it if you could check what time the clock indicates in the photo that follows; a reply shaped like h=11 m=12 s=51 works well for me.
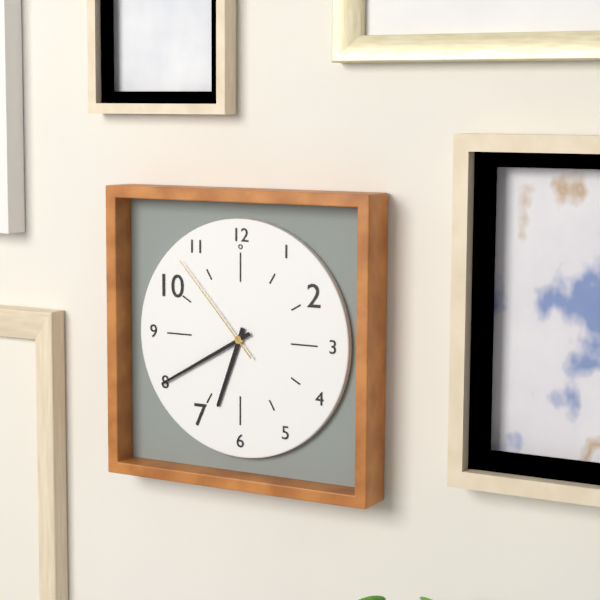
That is h=6 m=40 s=53
